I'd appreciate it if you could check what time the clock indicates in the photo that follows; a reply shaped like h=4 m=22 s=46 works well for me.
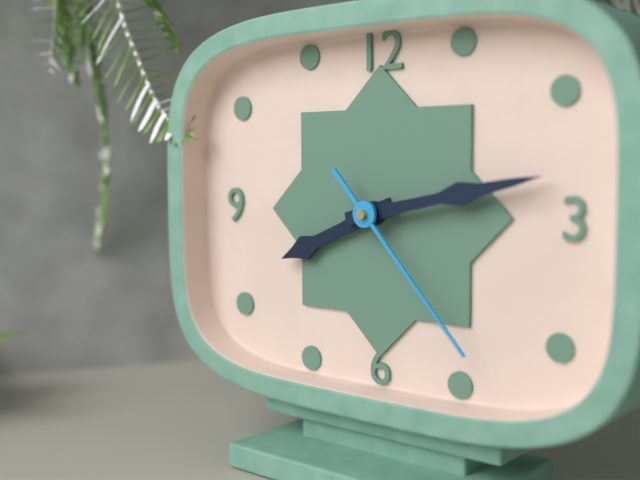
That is h=8 m=13 s=23
